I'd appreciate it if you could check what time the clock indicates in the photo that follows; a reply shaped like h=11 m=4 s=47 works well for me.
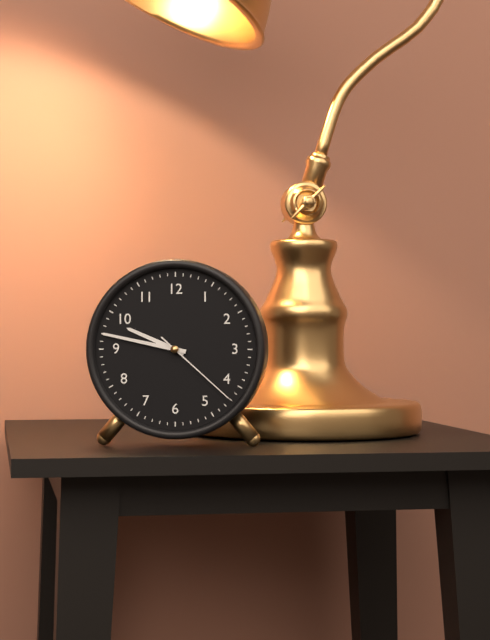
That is h=9 m=47 s=22
